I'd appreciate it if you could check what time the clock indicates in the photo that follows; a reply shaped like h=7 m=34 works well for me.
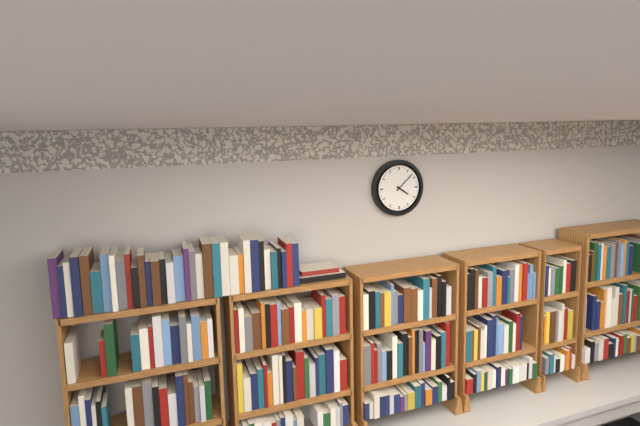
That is h=4 m=8
